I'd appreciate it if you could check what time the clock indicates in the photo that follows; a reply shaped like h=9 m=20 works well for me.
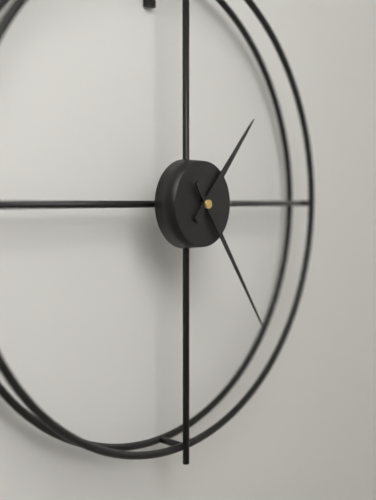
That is h=1 m=24
